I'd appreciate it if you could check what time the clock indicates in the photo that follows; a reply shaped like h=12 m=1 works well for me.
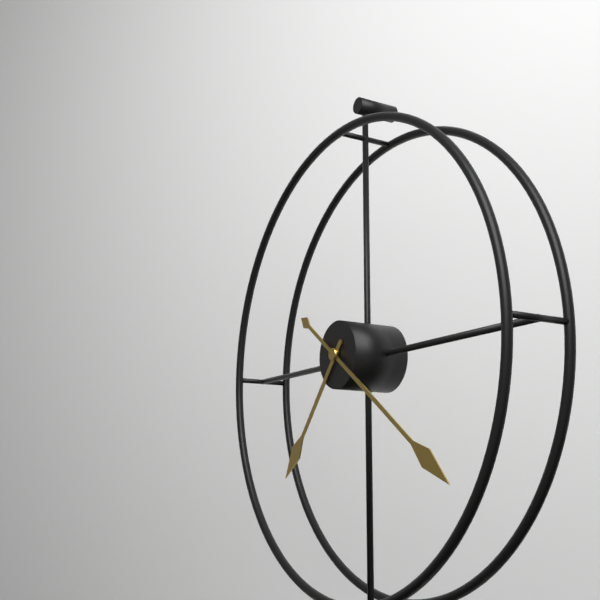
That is h=7 m=21
